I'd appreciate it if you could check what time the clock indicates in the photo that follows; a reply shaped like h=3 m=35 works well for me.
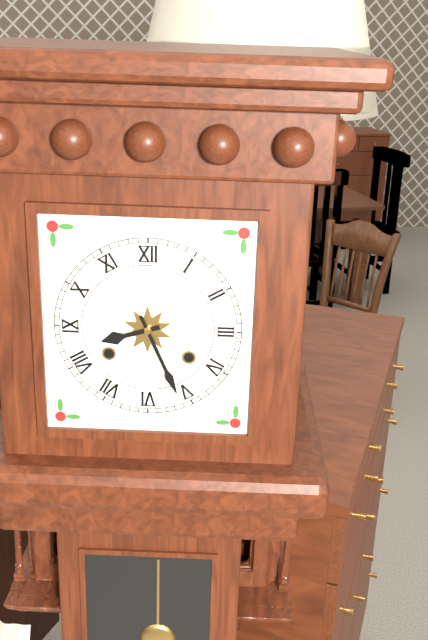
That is h=8 m=26
